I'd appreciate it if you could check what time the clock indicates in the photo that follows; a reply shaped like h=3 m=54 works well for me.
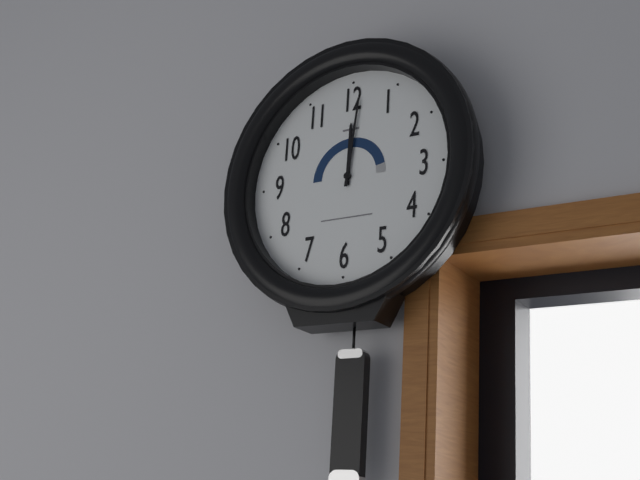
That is h=12 m=1
